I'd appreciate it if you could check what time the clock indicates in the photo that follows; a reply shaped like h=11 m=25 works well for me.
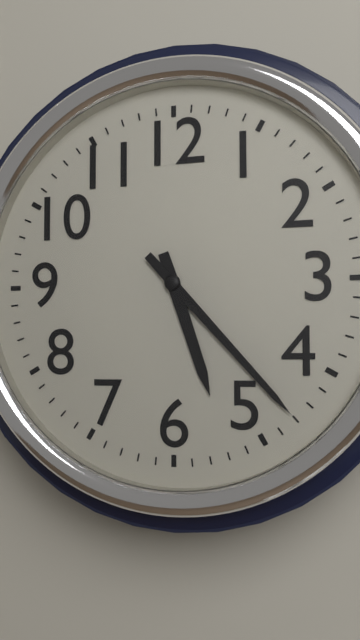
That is h=5 m=23
